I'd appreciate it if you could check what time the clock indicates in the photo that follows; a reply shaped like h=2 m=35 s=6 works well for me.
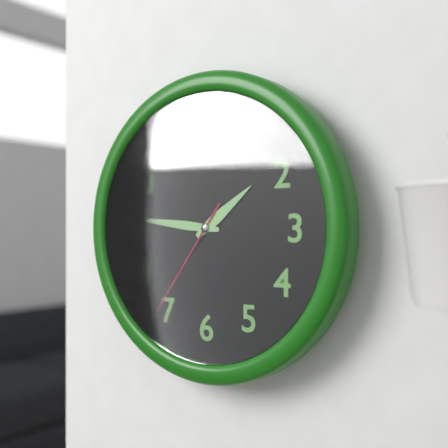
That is h=1 m=46 s=36
